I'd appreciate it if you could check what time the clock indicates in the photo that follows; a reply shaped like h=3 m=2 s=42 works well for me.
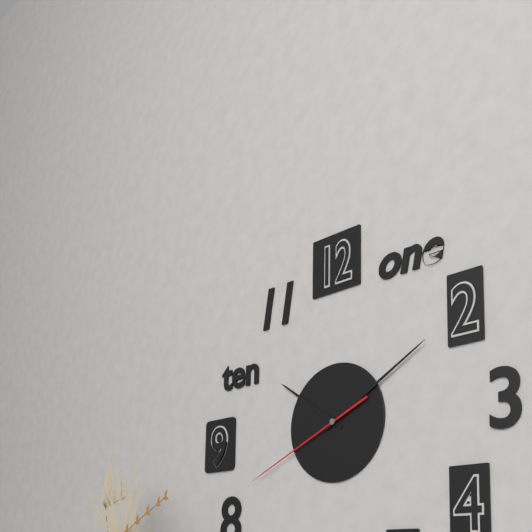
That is h=10 m=10 s=41
